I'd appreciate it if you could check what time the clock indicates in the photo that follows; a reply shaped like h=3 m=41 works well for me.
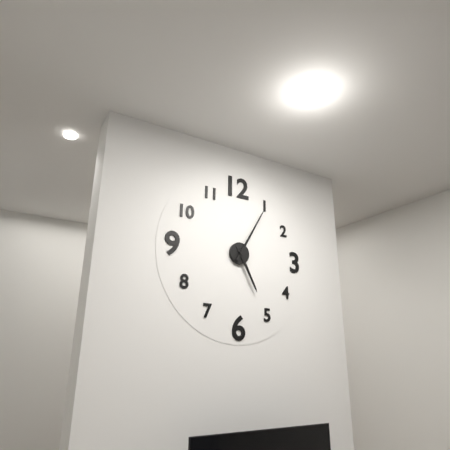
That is h=5 m=5
